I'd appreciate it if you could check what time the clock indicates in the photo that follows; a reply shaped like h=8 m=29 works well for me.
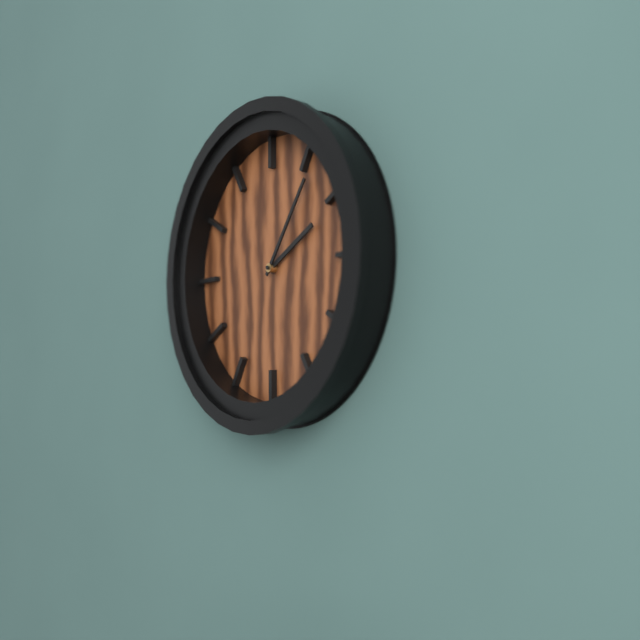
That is h=2 m=6
